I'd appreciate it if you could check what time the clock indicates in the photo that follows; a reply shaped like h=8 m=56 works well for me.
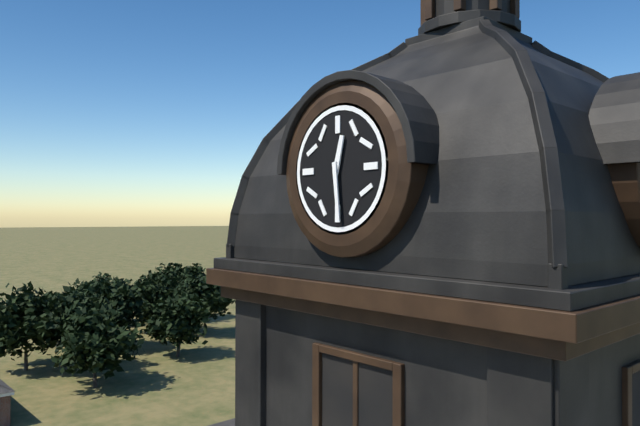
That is h=12 m=29
